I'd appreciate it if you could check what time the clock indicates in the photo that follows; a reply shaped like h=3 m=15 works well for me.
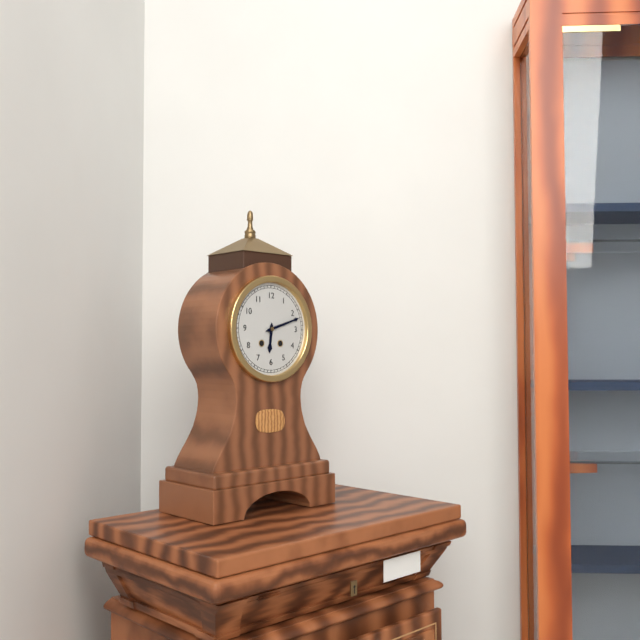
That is h=6 m=12
